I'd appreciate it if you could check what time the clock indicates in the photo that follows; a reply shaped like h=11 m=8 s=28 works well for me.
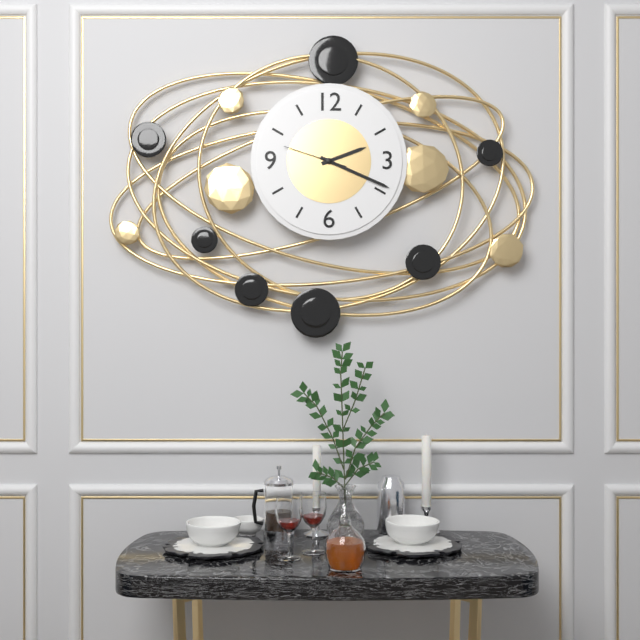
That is h=2 m=19 s=48
